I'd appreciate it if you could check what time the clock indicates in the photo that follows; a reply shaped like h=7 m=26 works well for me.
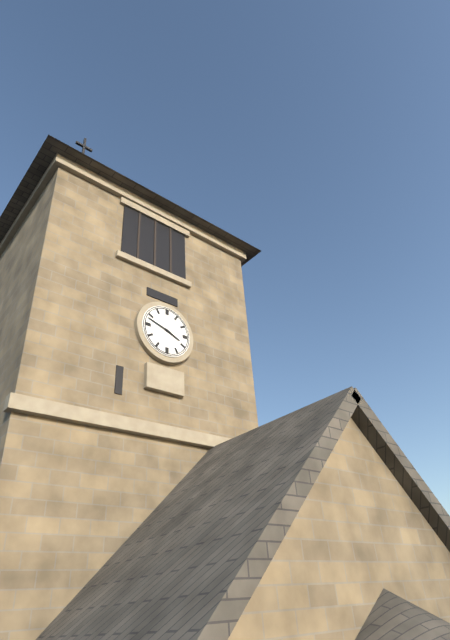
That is h=3 m=48
